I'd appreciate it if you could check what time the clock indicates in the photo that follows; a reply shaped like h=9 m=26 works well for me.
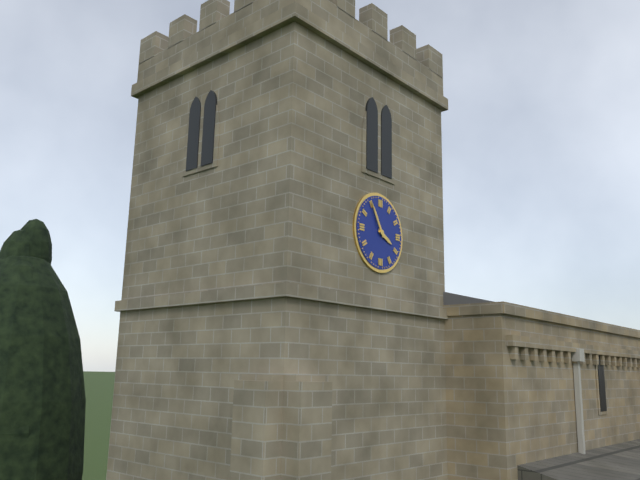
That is h=3 m=55
